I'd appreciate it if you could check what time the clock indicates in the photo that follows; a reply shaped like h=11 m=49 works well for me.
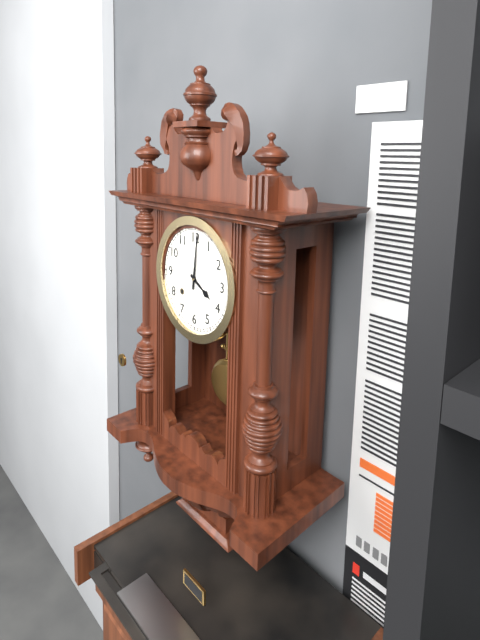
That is h=4 m=1
